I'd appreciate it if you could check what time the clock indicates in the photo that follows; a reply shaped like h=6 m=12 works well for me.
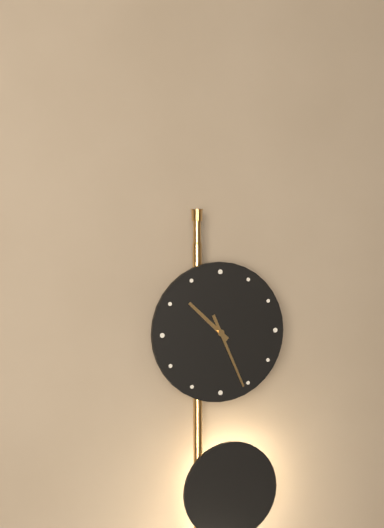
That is h=10 m=26
